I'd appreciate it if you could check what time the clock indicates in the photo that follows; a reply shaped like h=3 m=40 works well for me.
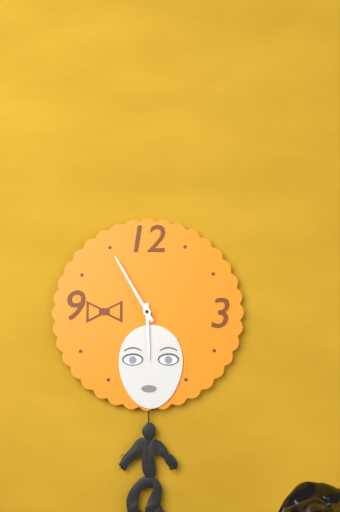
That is h=5 m=55
